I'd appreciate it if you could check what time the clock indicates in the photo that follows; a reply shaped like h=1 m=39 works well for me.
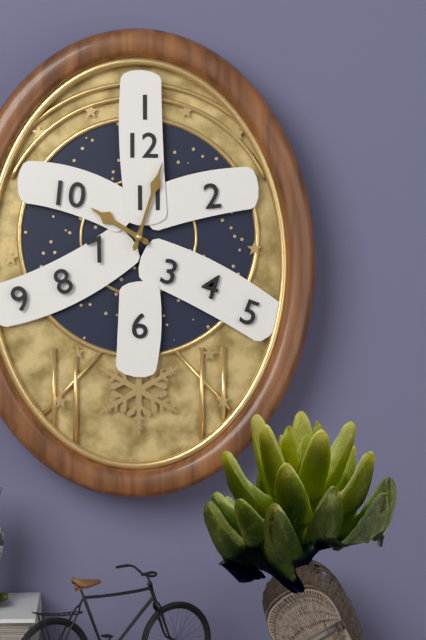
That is h=10 m=3
